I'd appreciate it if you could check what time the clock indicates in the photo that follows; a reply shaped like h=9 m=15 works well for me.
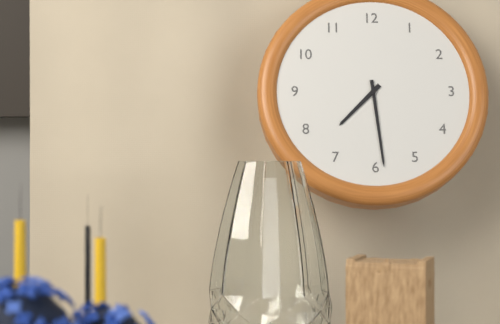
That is h=7 m=29
